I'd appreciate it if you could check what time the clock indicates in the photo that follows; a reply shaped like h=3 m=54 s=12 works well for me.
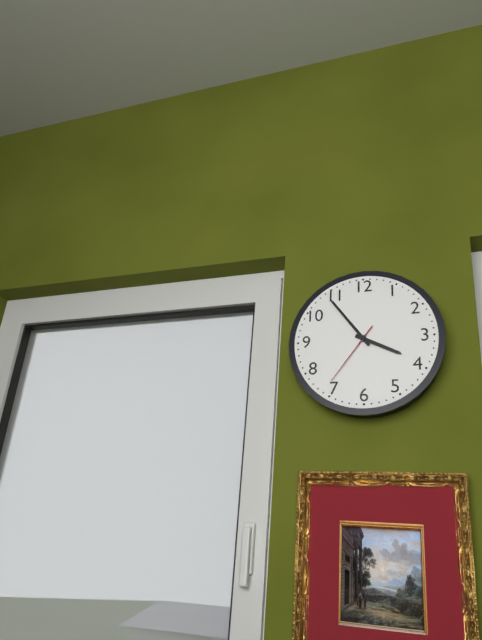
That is h=3 m=54 s=36
